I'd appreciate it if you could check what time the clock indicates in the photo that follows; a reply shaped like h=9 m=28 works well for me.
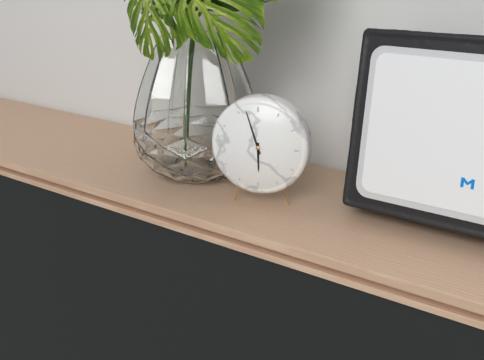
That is h=5 m=57
